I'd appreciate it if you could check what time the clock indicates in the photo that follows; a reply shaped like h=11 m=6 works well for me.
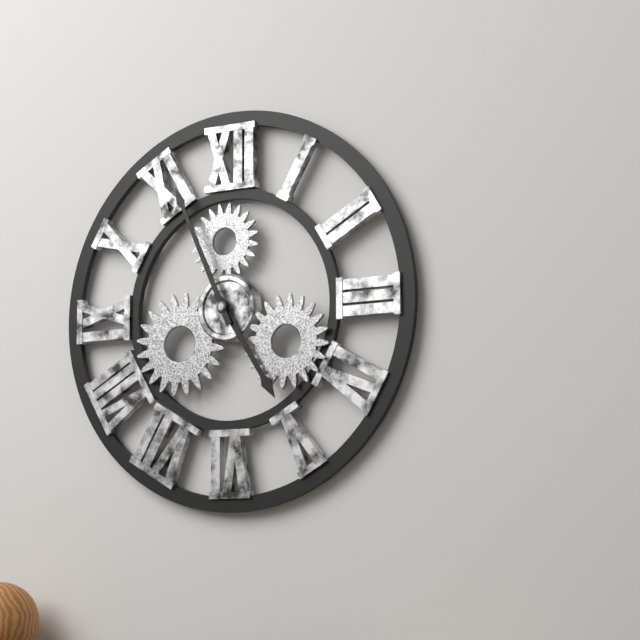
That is h=4 m=56
